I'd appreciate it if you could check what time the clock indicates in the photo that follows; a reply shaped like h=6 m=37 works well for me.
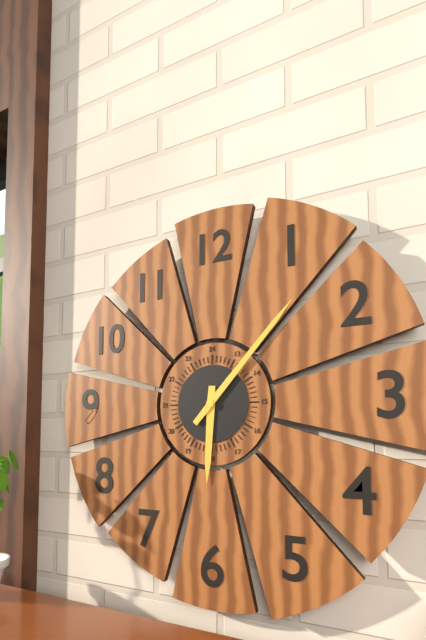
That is h=6 m=7
